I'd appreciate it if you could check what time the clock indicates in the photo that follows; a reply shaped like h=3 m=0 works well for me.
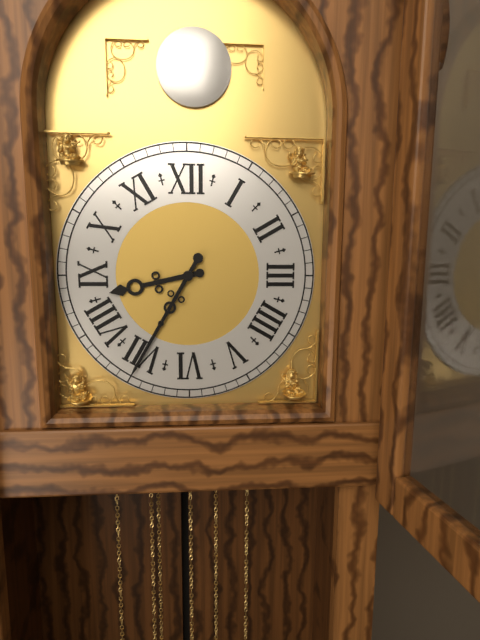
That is h=8 m=35
